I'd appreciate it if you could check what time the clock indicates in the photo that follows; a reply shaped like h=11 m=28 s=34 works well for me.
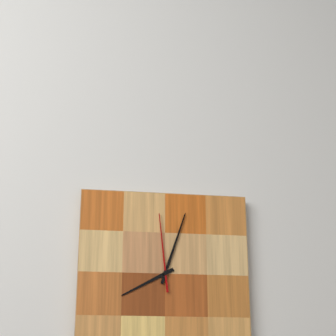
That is h=8 m=3 s=59
